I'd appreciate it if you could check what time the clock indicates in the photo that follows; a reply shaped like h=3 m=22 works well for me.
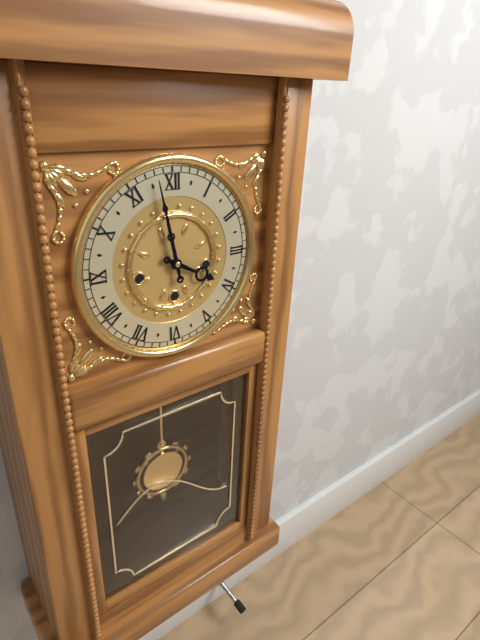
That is h=3 m=58
